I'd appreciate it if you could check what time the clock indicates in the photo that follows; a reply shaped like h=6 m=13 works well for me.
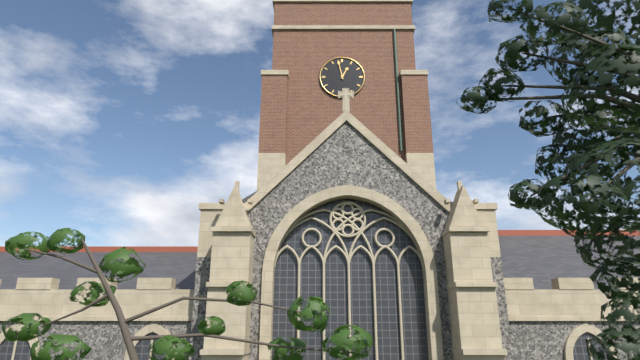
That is h=12 m=58
